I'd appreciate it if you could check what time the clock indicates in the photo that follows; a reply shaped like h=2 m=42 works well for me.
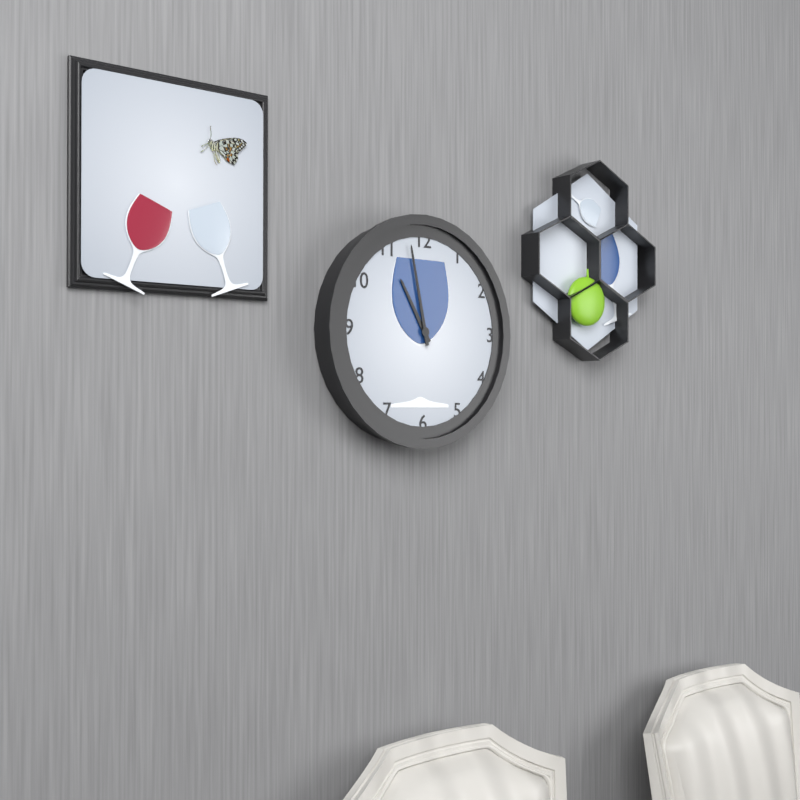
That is h=10 m=58
